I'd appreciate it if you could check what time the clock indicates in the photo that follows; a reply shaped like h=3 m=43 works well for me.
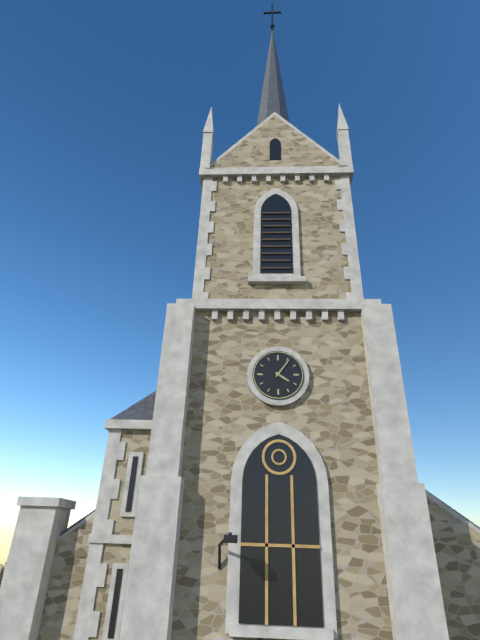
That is h=4 m=6
